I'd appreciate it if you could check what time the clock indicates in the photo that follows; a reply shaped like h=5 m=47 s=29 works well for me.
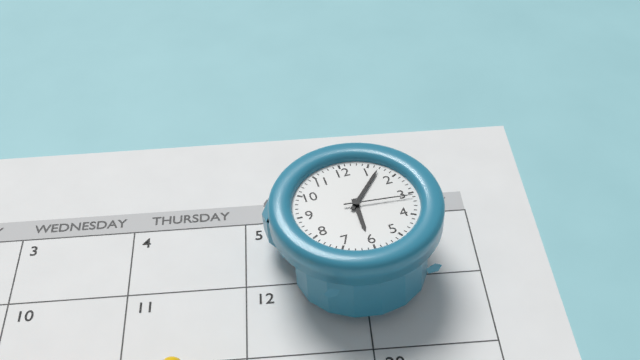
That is h=6 m=7 s=16
